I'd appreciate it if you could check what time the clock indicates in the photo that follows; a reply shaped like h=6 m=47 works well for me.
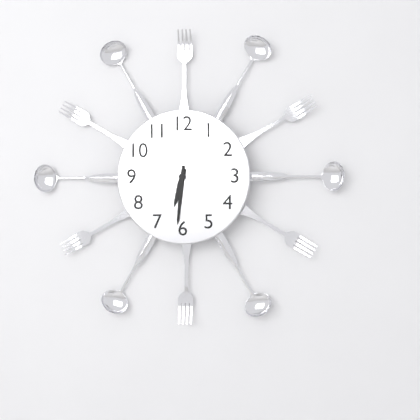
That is h=6 m=31
